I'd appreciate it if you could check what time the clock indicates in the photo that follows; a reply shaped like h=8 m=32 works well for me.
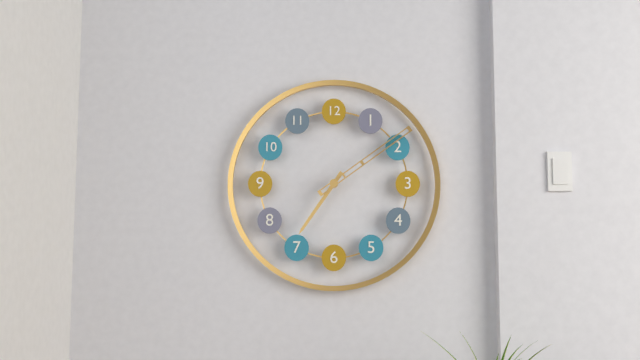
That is h=7 m=9
